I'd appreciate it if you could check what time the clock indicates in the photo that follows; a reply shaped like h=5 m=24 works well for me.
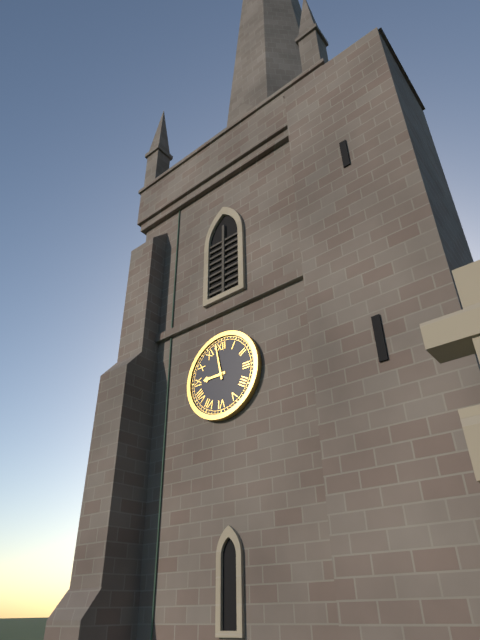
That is h=8 m=58
